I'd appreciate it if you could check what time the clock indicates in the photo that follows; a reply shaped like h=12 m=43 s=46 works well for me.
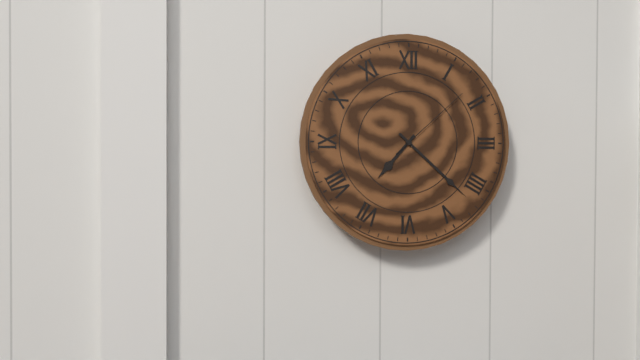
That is h=7 m=22 s=8
